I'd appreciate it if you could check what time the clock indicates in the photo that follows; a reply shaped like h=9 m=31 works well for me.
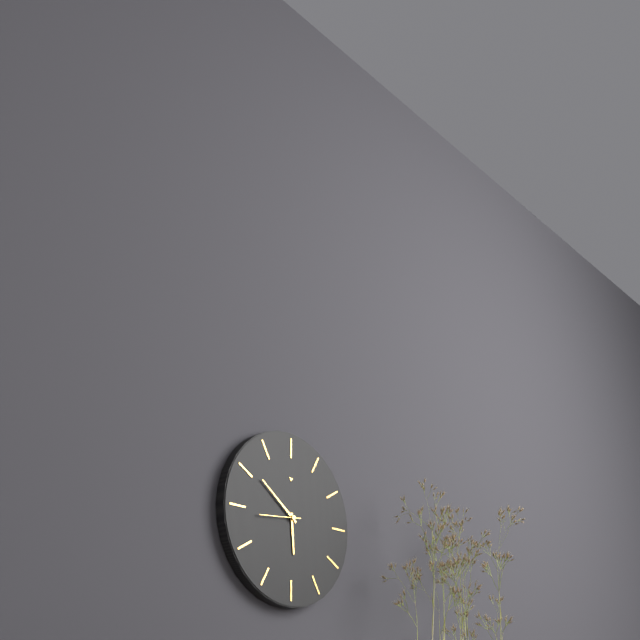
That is h=5 m=51
